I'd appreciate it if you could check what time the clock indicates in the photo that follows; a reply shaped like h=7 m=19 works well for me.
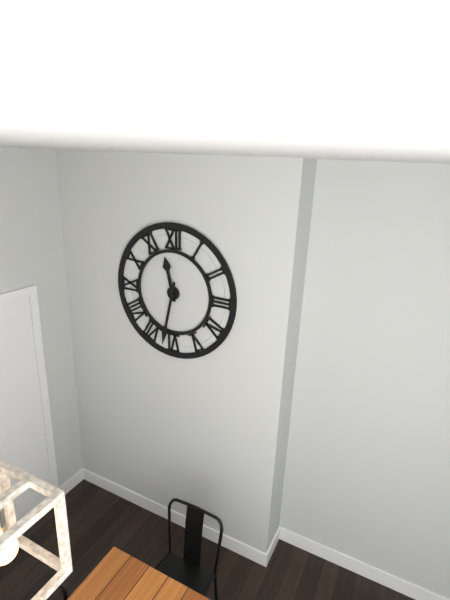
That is h=11 m=32
